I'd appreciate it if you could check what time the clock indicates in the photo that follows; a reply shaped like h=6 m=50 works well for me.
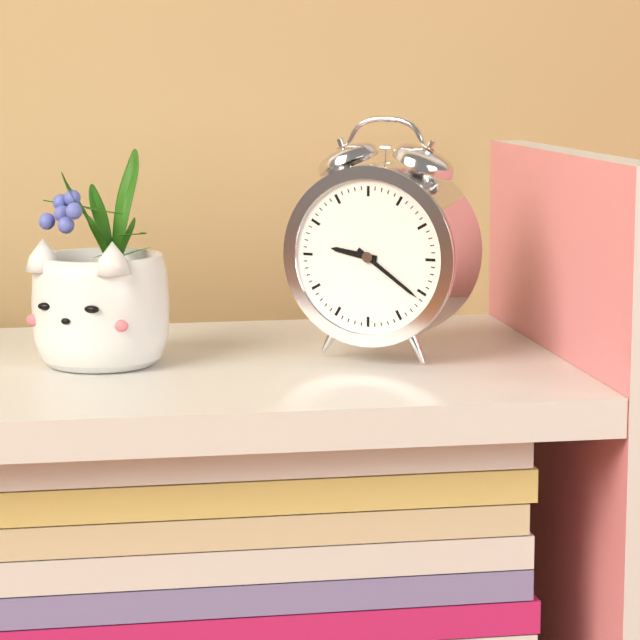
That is h=9 m=21
